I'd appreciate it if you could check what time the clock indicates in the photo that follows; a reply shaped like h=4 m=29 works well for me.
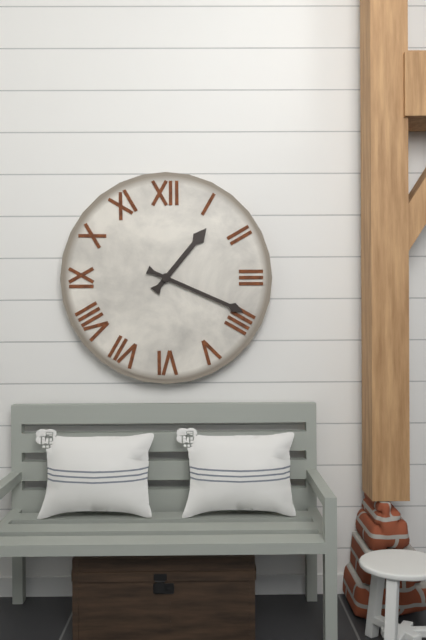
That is h=1 m=19
